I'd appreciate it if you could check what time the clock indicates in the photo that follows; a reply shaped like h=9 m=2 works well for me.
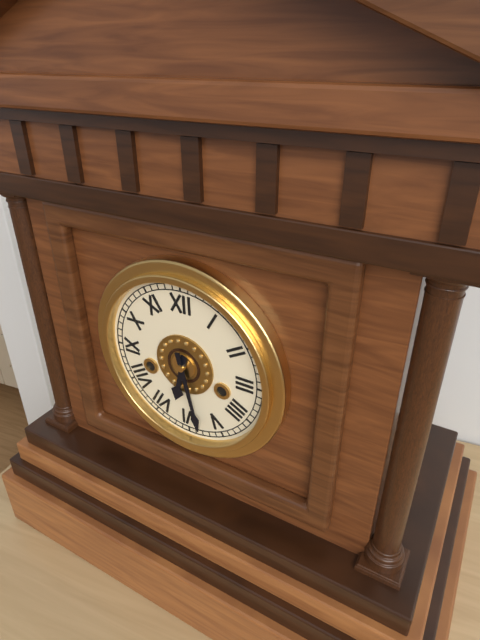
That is h=6 m=28
